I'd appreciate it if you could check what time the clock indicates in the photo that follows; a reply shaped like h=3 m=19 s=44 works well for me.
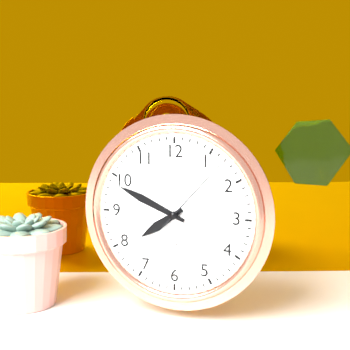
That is h=7 m=49 s=7
